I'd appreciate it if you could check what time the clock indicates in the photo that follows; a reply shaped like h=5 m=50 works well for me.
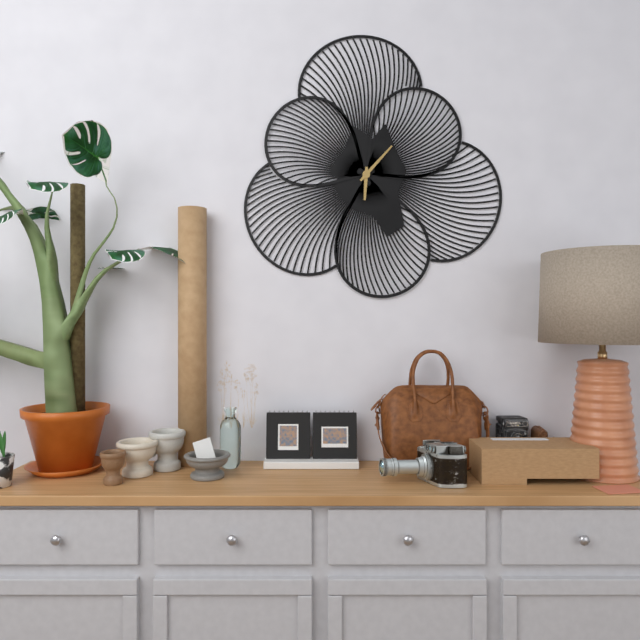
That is h=6 m=7
